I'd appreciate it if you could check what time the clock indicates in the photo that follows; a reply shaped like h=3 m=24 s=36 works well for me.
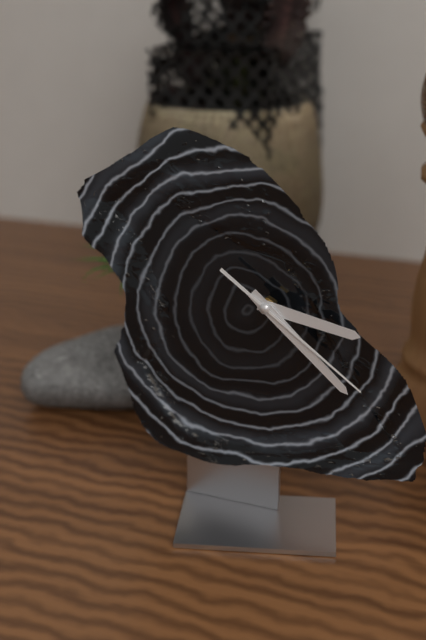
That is h=3 m=22 s=21
